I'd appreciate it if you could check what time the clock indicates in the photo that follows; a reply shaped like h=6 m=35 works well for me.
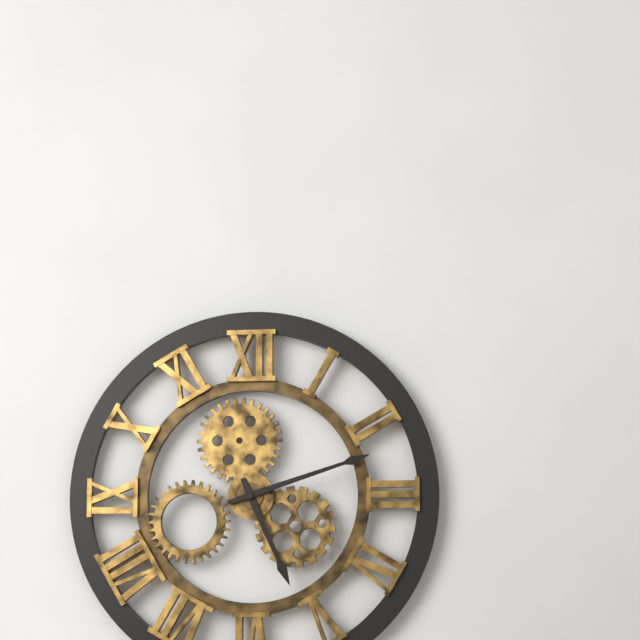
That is h=5 m=12
